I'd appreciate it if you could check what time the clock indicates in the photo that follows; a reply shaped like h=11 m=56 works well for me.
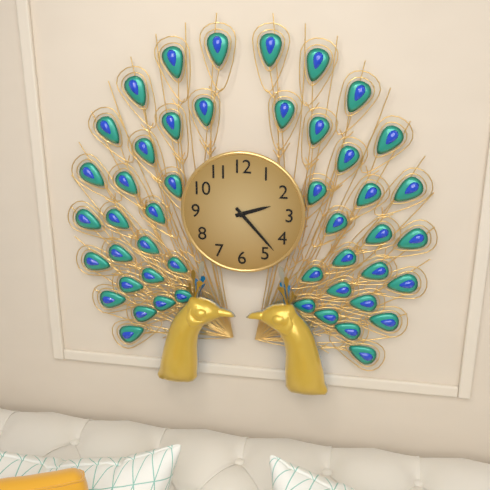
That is h=2 m=23
